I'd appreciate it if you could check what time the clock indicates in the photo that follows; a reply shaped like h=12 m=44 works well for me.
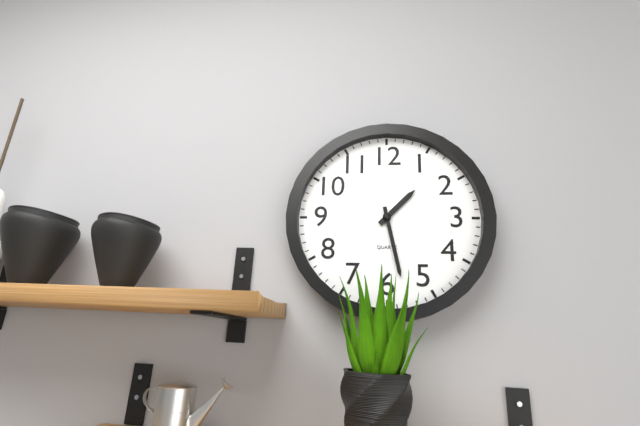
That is h=1 m=28
